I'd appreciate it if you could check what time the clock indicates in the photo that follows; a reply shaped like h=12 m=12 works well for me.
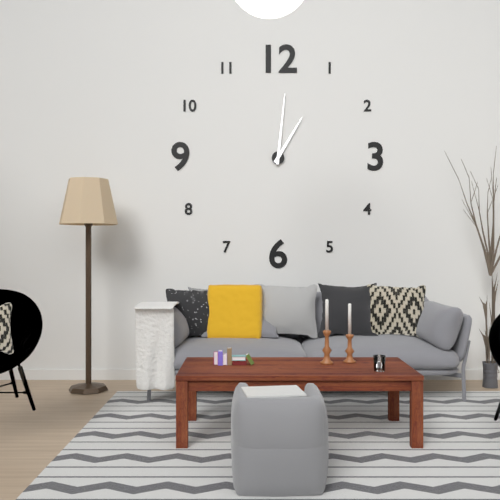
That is h=1 m=1
